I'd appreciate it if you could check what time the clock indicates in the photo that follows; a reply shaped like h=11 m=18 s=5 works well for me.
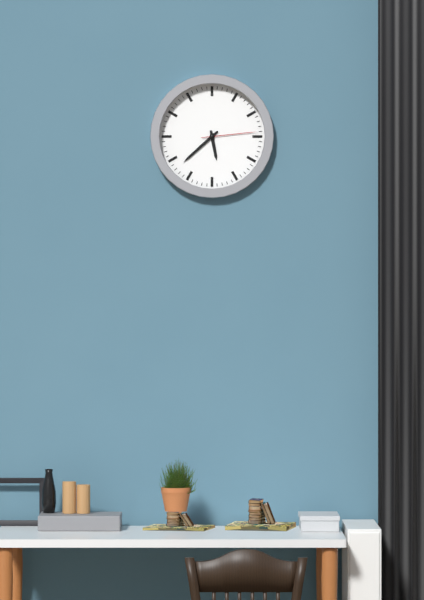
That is h=5 m=38 s=14
